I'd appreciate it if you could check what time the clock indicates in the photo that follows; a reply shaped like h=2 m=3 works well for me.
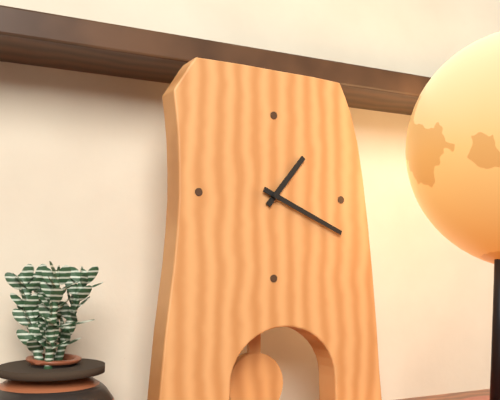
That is h=1 m=19
